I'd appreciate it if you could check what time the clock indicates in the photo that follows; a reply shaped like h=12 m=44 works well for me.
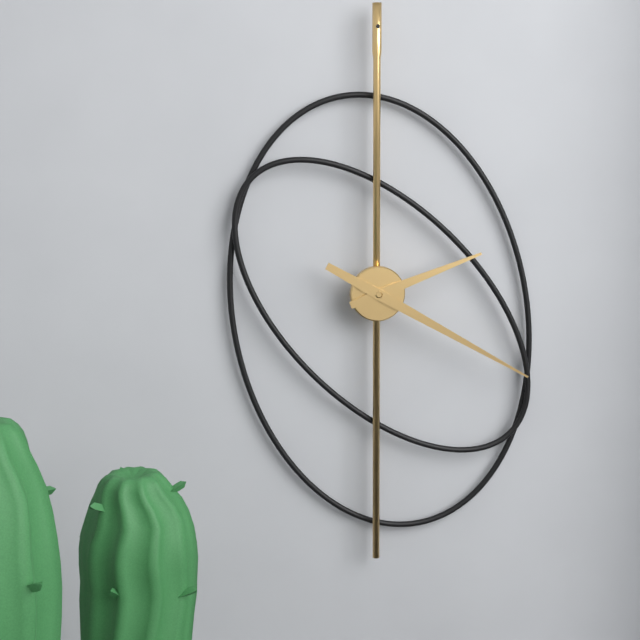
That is h=2 m=20
